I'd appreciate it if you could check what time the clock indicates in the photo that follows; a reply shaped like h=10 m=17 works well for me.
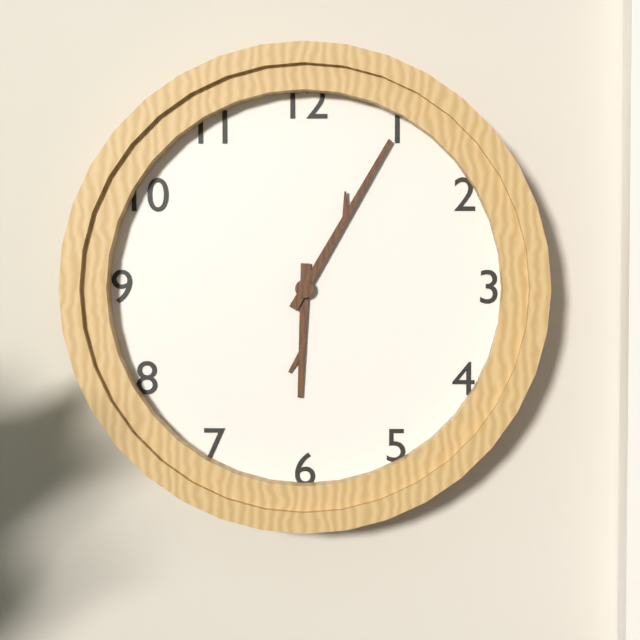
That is h=6 m=5
